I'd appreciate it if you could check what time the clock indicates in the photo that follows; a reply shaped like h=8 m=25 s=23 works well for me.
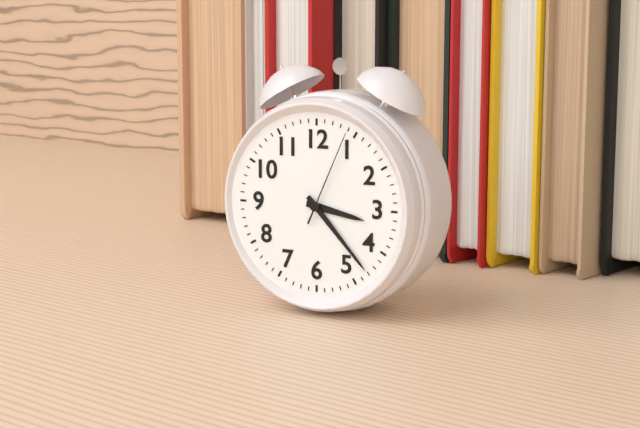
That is h=3 m=23 s=4
